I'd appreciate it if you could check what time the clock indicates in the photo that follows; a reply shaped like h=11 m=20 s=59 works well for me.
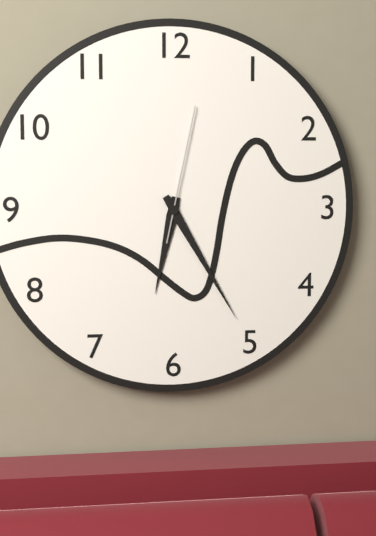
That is h=6 m=25 s=2
